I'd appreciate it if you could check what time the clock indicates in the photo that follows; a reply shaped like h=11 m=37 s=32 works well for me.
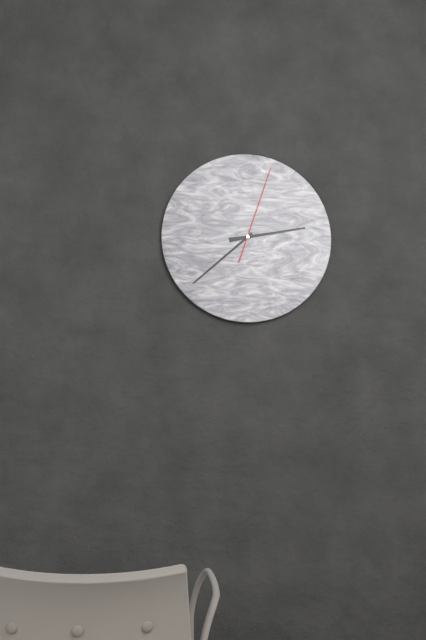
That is h=2 m=38 s=3
